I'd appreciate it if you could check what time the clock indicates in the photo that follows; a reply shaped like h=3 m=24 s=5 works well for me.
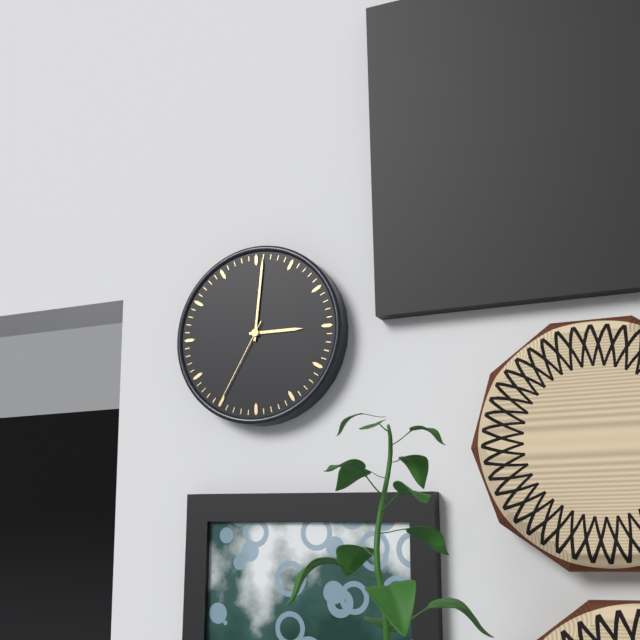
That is h=3 m=1 s=35
